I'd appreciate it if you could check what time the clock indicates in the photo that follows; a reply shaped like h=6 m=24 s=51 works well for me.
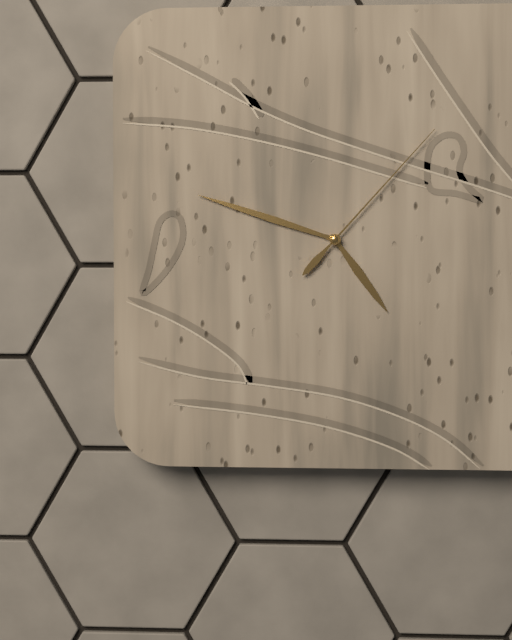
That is h=4 m=48 s=7
